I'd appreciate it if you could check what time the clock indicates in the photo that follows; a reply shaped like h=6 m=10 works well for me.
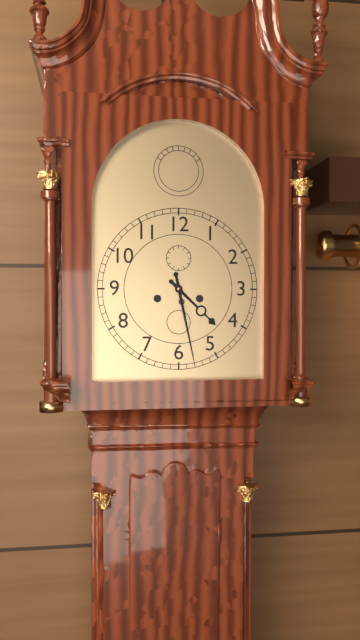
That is h=4 m=28
